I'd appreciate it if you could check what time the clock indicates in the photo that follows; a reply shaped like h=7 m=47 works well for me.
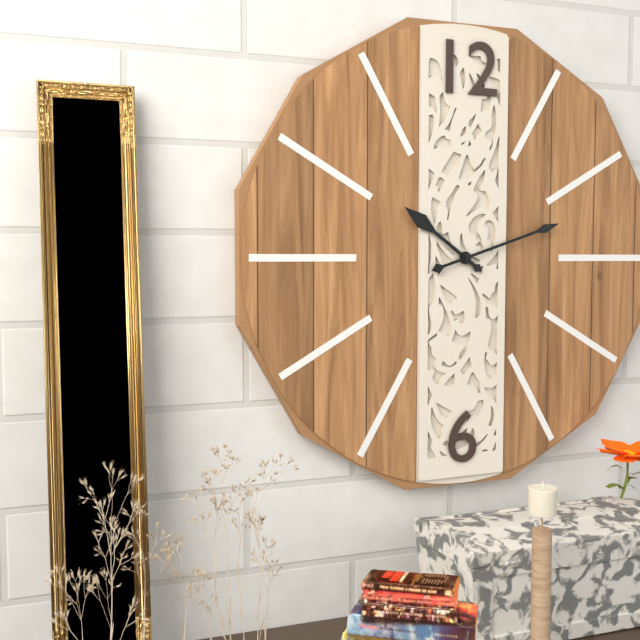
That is h=10 m=12
